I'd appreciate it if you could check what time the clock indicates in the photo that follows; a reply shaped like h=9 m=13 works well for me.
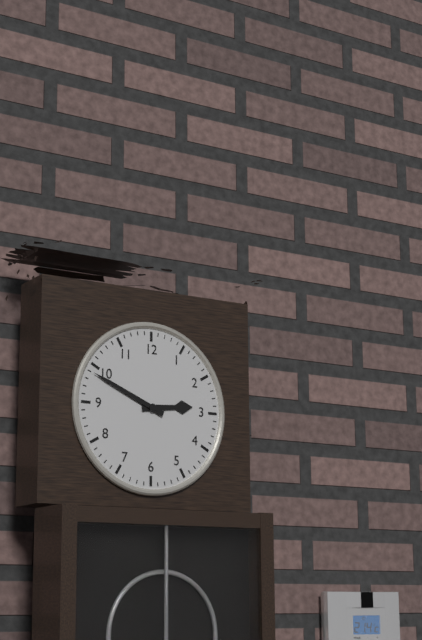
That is h=2 m=49
